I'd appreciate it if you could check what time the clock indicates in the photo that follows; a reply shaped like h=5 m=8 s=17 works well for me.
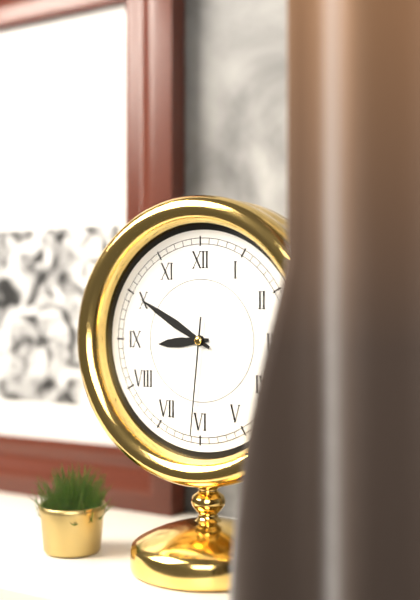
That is h=8 m=50 s=31
